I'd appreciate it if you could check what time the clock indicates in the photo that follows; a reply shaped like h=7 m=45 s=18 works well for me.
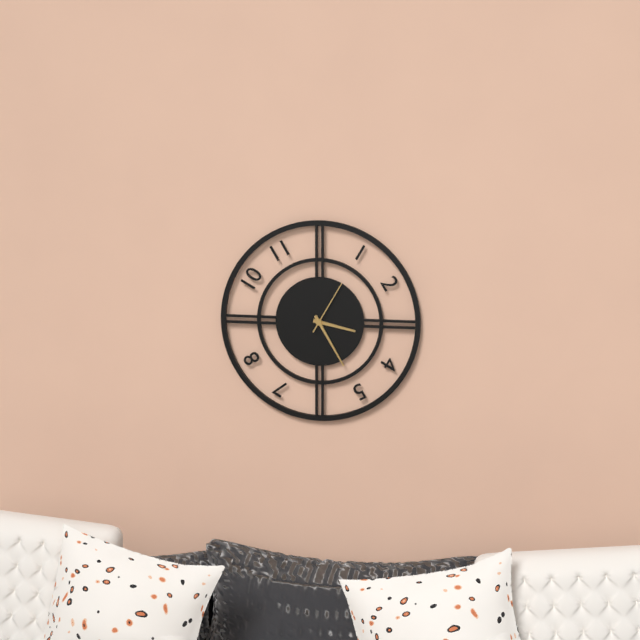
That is h=3 m=25 s=5
